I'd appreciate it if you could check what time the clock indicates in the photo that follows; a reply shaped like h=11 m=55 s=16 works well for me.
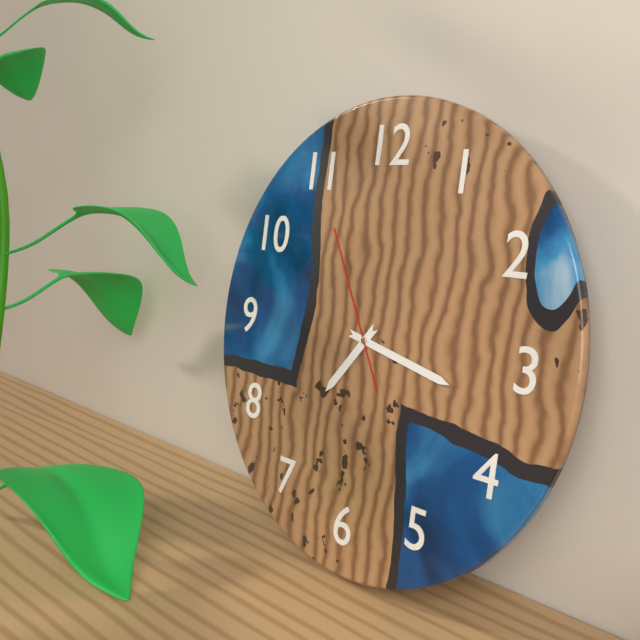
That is h=7 m=17 s=55
